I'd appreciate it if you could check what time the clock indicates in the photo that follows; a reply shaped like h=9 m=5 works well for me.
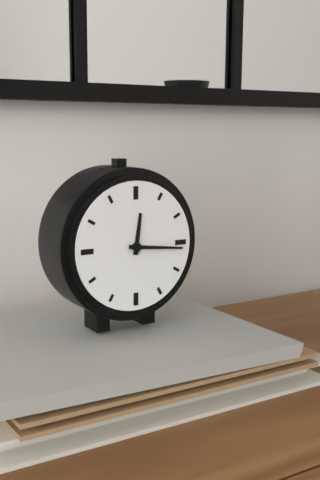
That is h=12 m=16
